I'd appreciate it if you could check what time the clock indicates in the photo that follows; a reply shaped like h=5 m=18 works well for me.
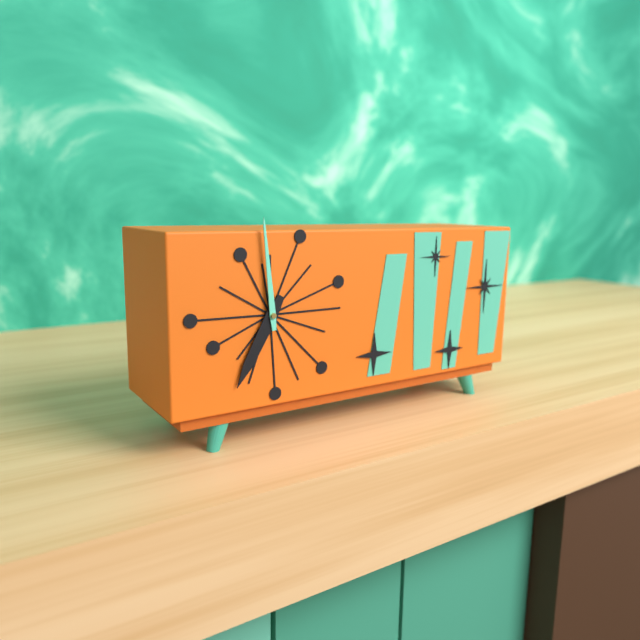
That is h=6 m=59
